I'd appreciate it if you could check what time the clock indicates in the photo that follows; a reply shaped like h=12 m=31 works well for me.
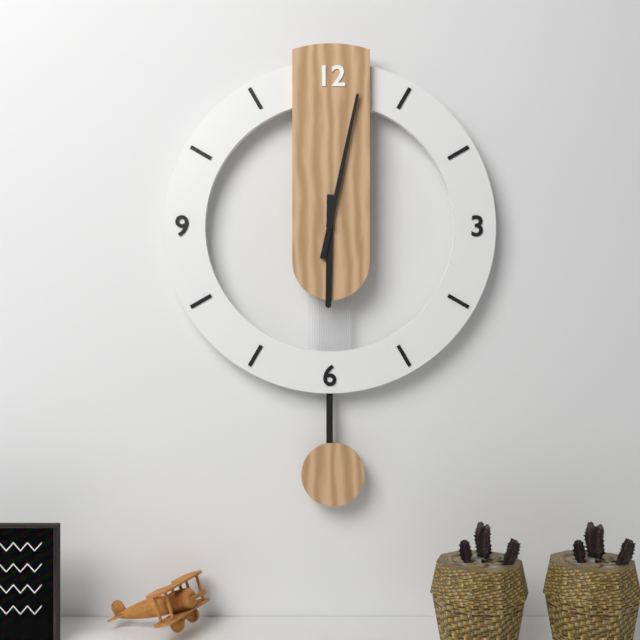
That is h=6 m=2
